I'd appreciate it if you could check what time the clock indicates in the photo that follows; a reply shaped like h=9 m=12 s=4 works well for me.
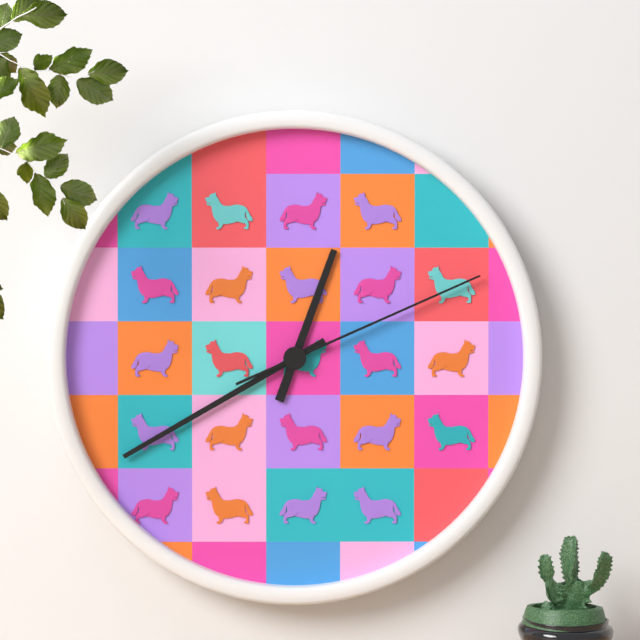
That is h=12 m=40 s=11
